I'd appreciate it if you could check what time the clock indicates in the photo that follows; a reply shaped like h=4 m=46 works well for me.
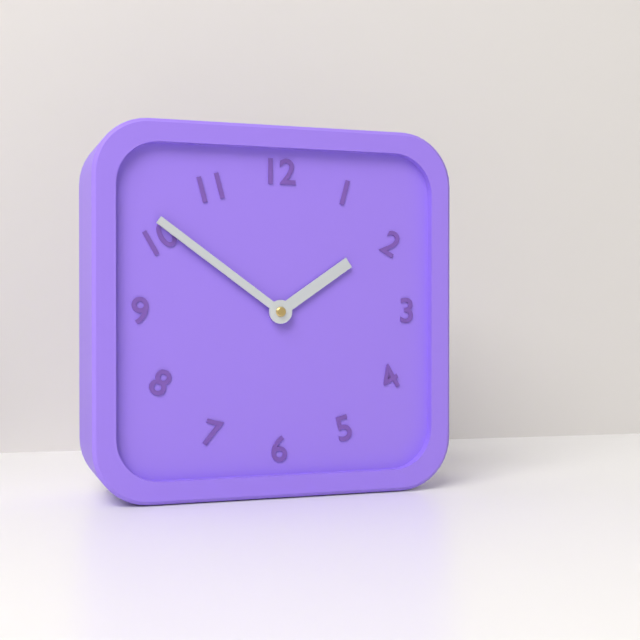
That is h=1 m=51
